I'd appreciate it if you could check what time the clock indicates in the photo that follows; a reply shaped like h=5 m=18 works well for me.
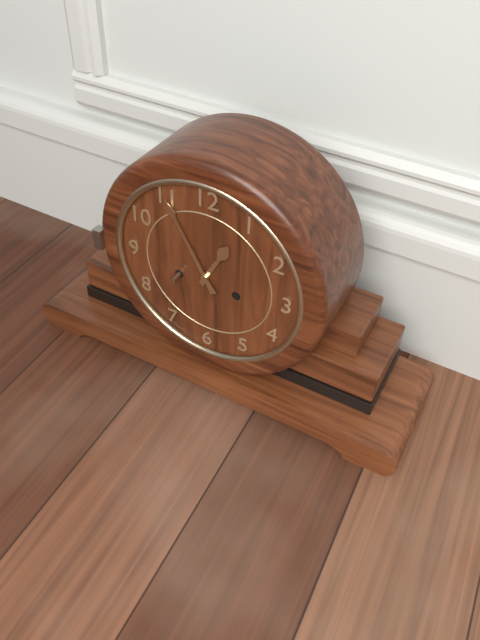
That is h=12 m=55
